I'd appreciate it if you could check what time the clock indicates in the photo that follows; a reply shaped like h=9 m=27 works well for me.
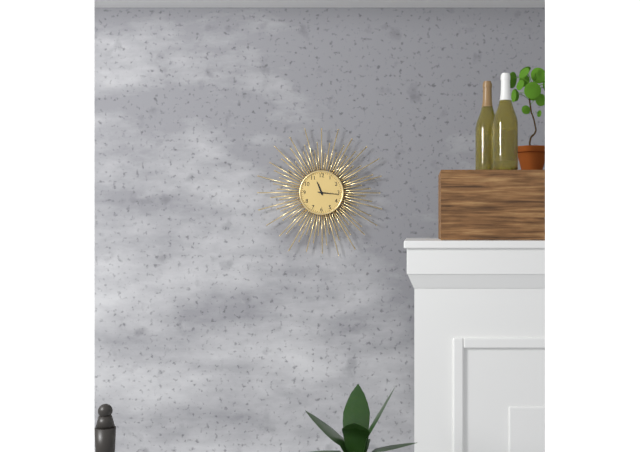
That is h=11 m=16
